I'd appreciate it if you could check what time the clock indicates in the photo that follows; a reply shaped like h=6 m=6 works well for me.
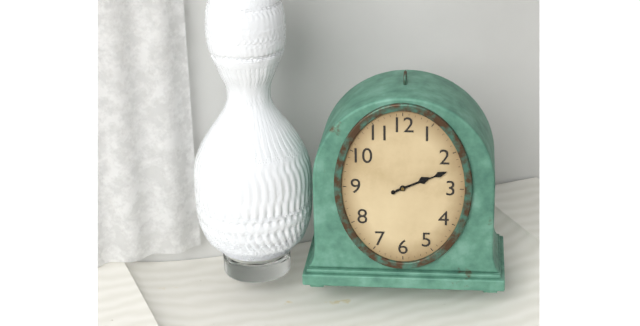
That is h=2 m=11
